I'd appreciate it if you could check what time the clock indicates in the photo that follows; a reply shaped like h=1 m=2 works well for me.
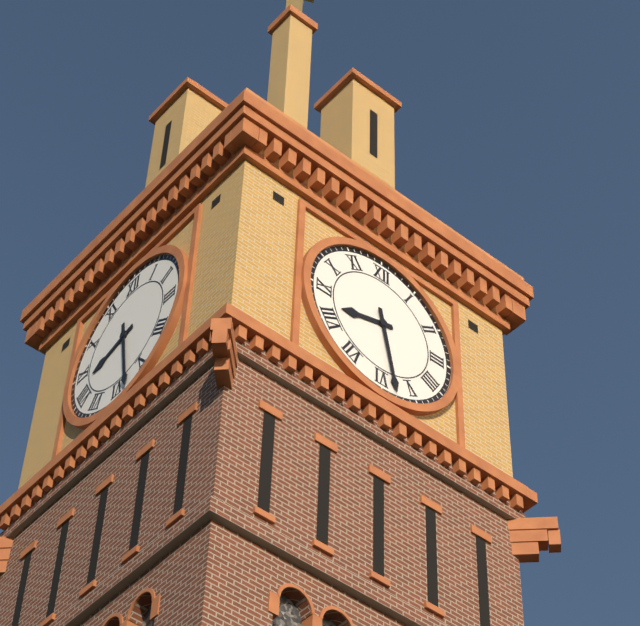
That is h=8 m=28
